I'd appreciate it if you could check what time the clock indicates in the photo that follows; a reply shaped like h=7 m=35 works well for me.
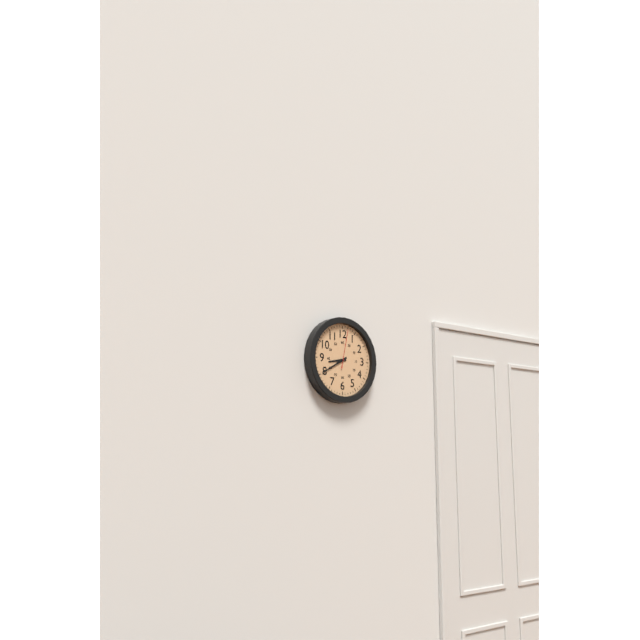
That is h=8 m=40
